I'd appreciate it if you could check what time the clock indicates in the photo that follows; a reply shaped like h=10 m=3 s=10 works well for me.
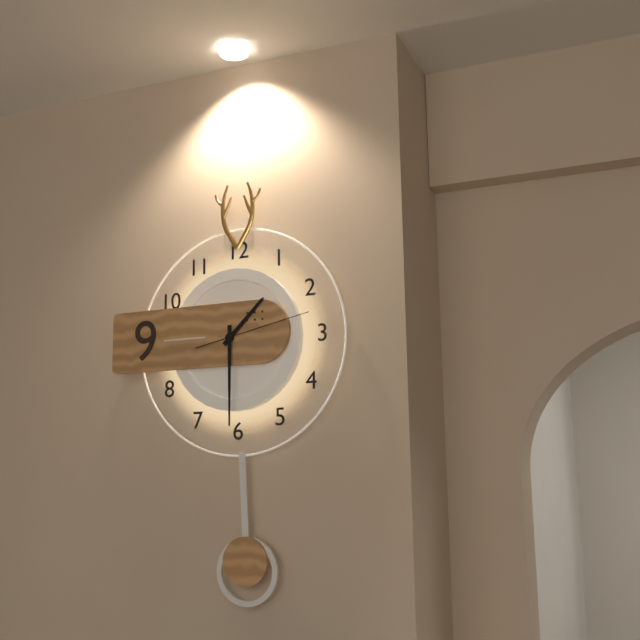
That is h=1 m=30 s=13
